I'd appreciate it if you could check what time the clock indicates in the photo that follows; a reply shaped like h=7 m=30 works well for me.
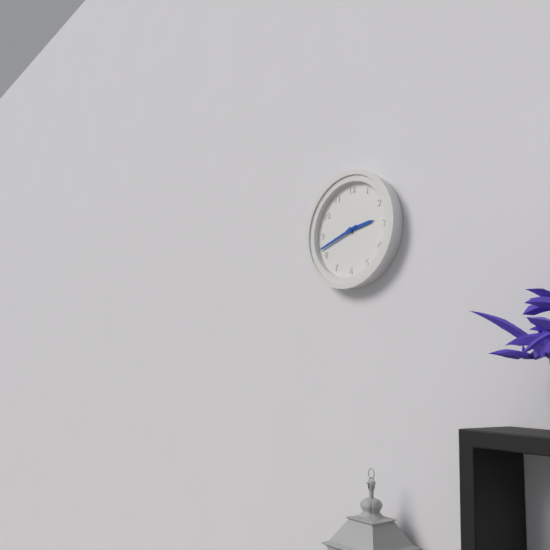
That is h=2 m=42
